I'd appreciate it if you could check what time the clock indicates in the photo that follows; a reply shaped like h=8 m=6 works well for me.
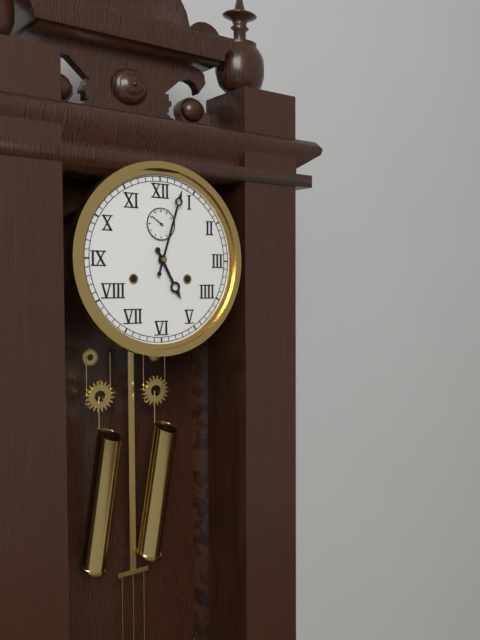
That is h=5 m=3
